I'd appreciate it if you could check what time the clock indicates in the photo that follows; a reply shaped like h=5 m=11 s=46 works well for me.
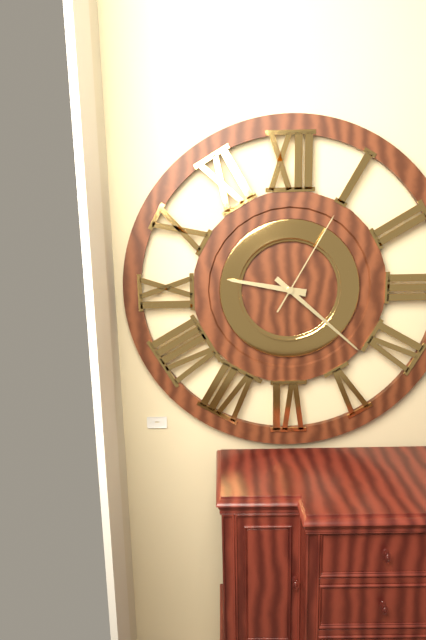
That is h=9 m=22 s=5
